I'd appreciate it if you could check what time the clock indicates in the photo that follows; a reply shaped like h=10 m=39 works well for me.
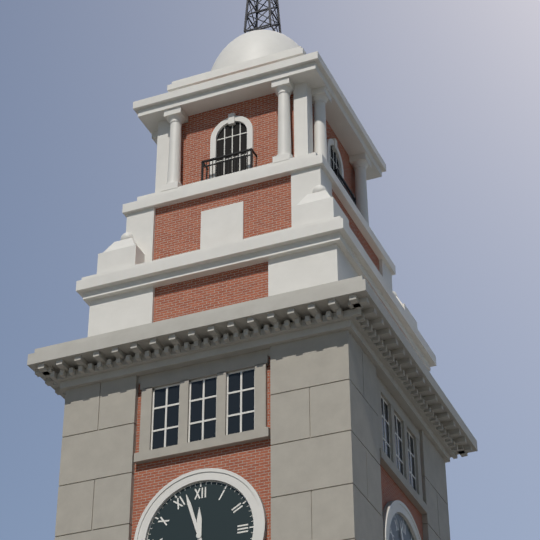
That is h=11 m=57
